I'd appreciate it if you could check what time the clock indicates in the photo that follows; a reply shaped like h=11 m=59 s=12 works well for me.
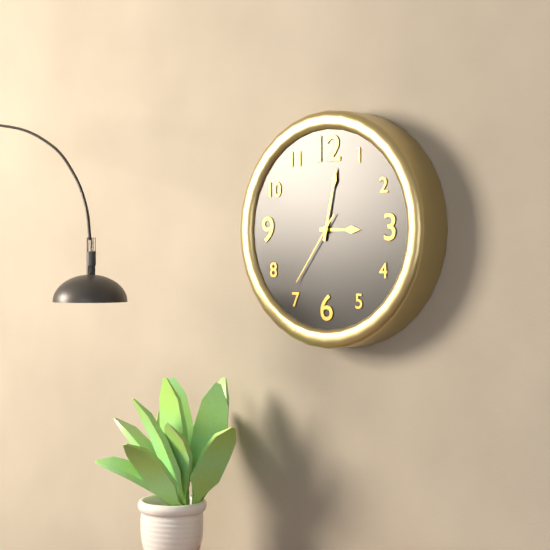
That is h=3 m=2 s=36
